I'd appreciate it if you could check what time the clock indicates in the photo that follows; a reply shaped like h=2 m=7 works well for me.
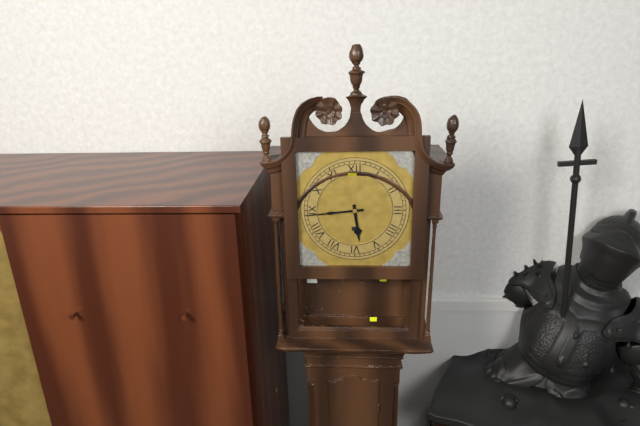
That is h=5 m=44
